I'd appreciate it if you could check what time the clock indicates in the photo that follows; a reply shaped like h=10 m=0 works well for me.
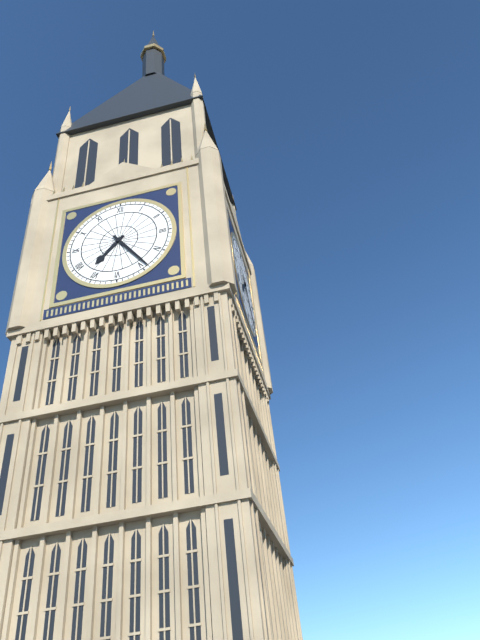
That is h=7 m=24
